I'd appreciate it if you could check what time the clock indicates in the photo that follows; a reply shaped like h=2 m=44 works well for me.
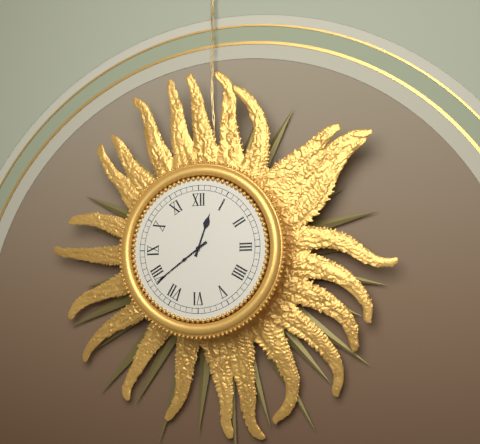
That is h=12 m=39
